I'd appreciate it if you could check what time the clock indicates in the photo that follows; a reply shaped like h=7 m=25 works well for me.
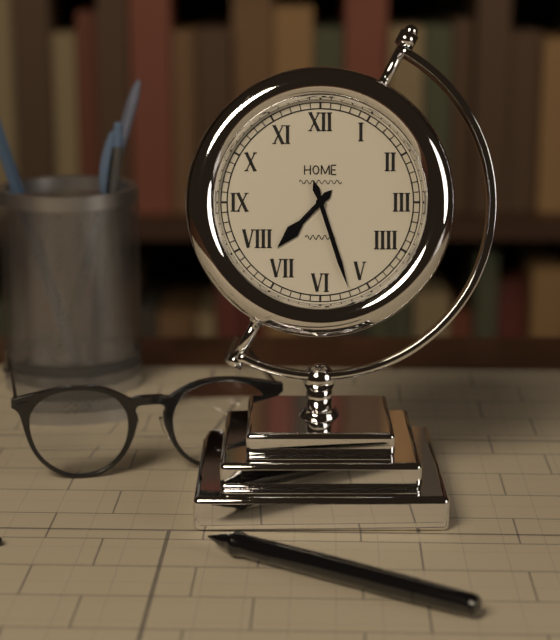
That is h=7 m=27
